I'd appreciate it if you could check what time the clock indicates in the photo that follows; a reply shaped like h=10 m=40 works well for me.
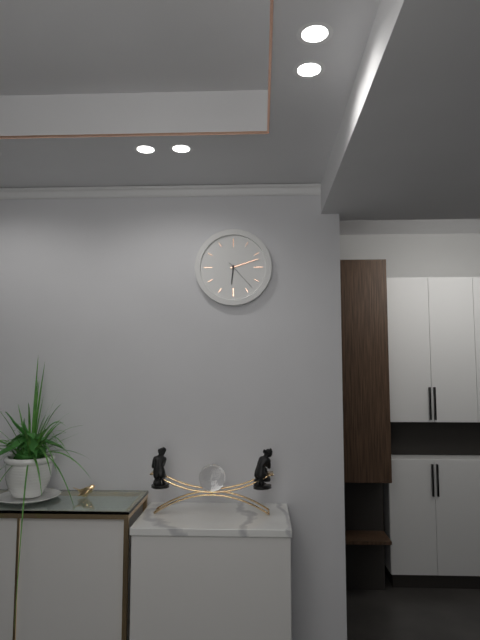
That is h=6 m=12
